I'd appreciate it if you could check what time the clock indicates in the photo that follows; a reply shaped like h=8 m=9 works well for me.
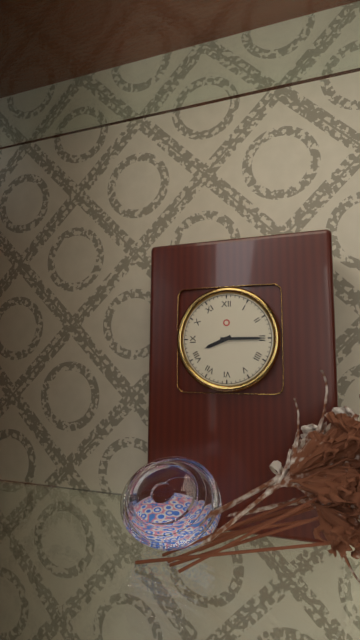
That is h=8 m=15
